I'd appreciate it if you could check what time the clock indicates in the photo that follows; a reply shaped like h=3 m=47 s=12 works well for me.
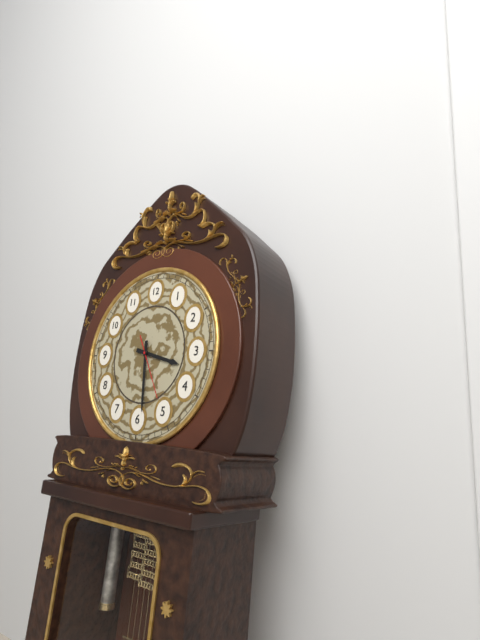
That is h=3 m=29 s=25
